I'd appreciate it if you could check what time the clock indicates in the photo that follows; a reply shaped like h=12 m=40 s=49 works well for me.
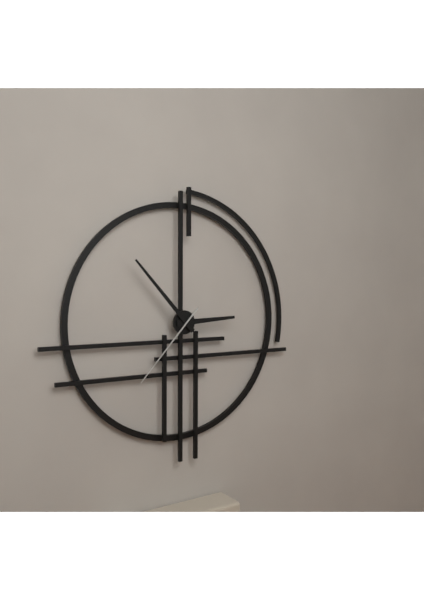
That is h=2 m=53 s=37
